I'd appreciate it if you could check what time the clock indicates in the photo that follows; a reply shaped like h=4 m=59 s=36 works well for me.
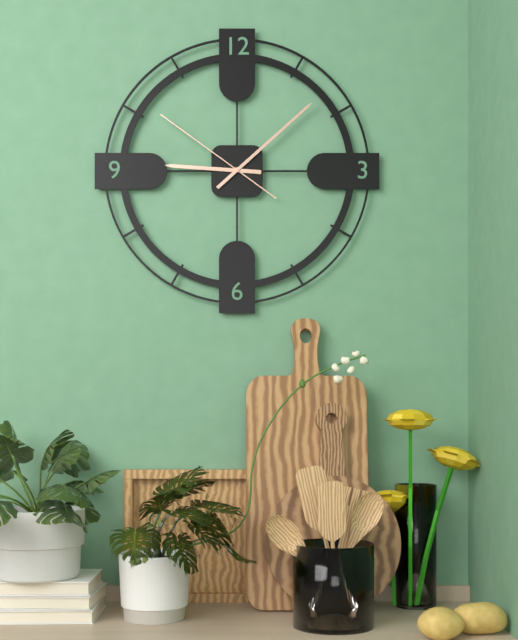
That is h=9 m=8 s=51
